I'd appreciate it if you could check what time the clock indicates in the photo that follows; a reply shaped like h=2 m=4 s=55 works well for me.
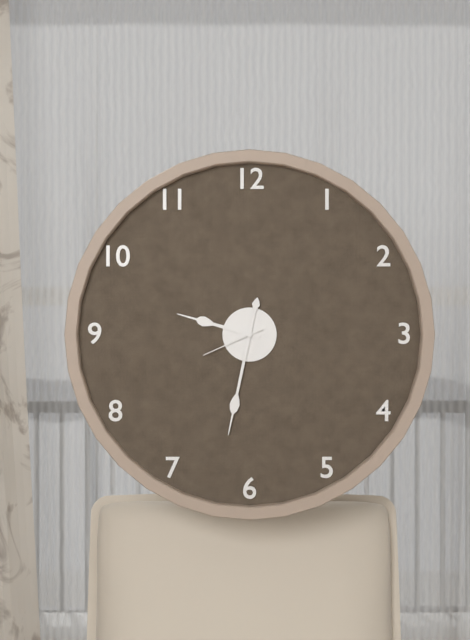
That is h=9 m=32 s=41
